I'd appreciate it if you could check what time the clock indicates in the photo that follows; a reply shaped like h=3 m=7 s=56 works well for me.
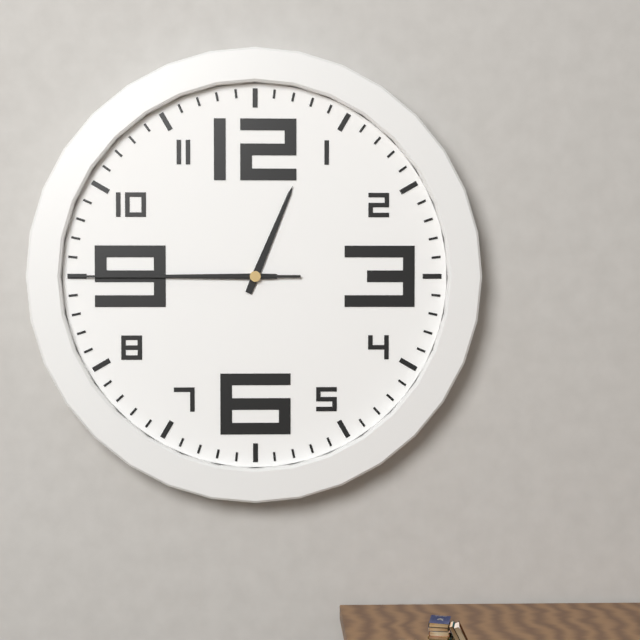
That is h=12 m=45 s=45
